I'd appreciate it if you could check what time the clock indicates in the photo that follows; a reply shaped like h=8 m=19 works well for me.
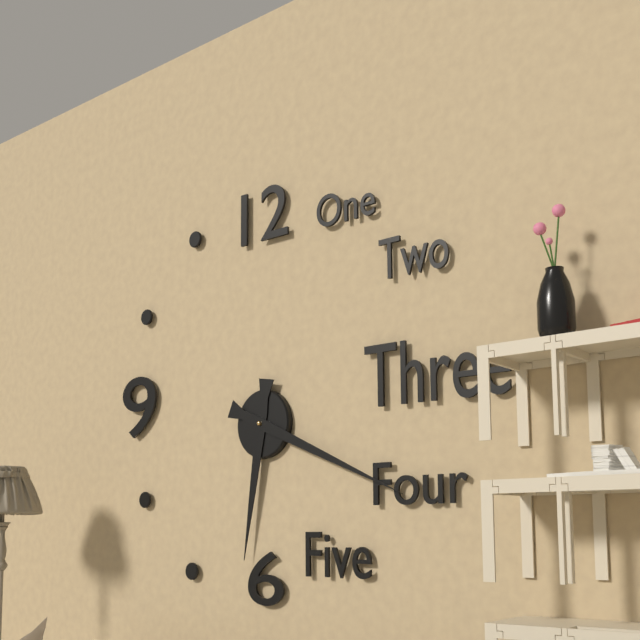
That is h=6 m=19
